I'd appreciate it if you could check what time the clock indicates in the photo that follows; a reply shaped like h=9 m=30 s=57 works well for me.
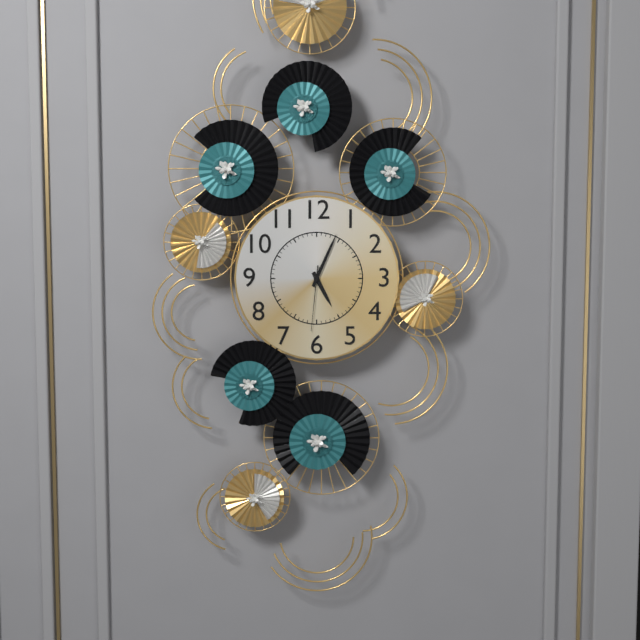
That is h=5 m=4 s=31
